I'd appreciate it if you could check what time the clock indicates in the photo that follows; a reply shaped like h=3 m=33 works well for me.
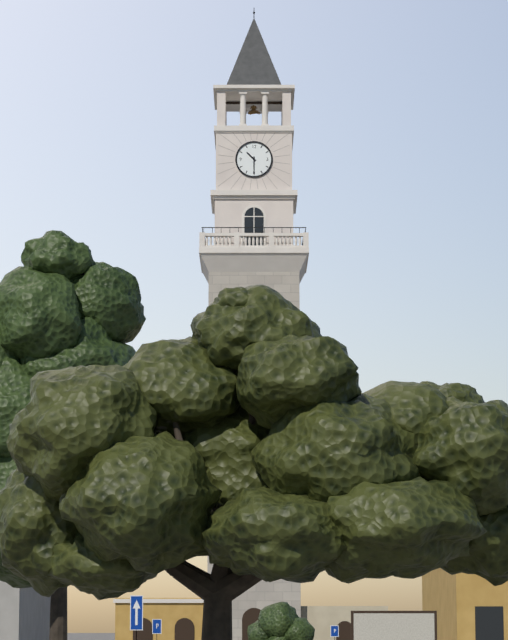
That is h=10 m=30
